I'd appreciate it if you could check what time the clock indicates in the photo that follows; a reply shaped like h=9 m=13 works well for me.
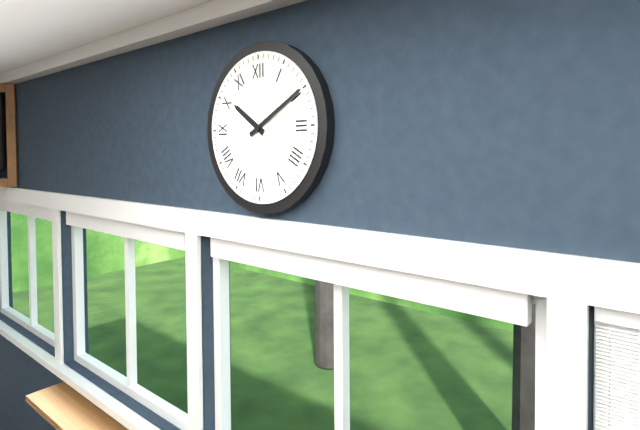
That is h=10 m=10
